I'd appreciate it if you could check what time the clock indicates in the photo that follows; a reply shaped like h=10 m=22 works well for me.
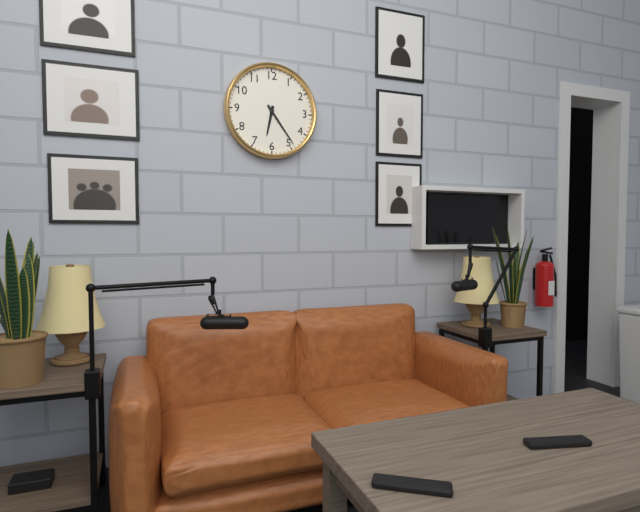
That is h=6 m=24
